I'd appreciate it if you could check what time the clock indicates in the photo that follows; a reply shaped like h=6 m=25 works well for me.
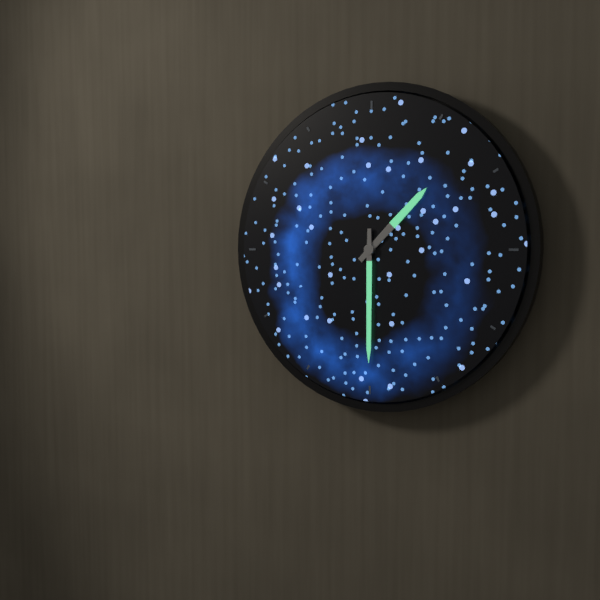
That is h=1 m=30
